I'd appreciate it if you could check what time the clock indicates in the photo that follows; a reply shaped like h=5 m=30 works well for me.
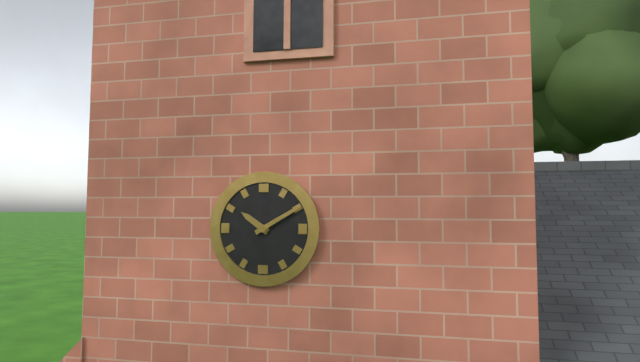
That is h=10 m=10
